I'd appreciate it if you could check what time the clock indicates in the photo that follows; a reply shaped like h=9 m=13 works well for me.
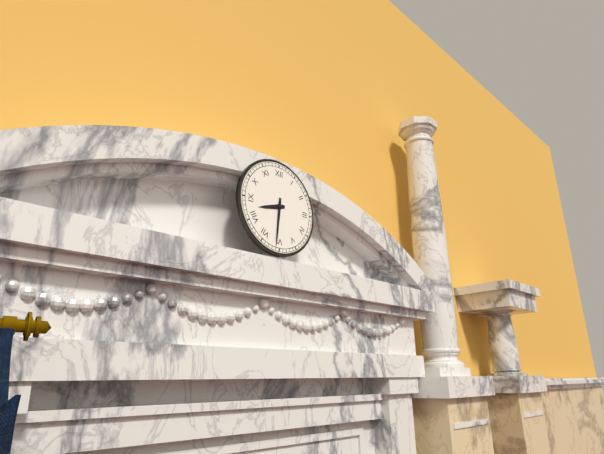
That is h=8 m=31
